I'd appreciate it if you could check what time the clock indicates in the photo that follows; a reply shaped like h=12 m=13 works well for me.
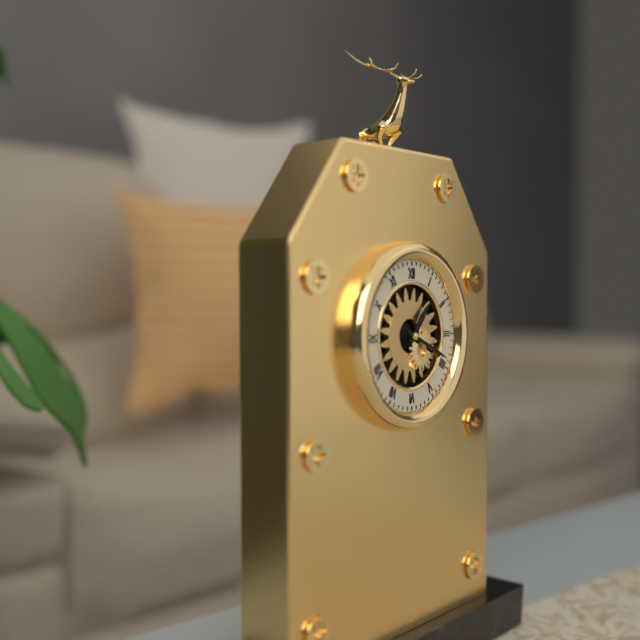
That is h=1 m=19
